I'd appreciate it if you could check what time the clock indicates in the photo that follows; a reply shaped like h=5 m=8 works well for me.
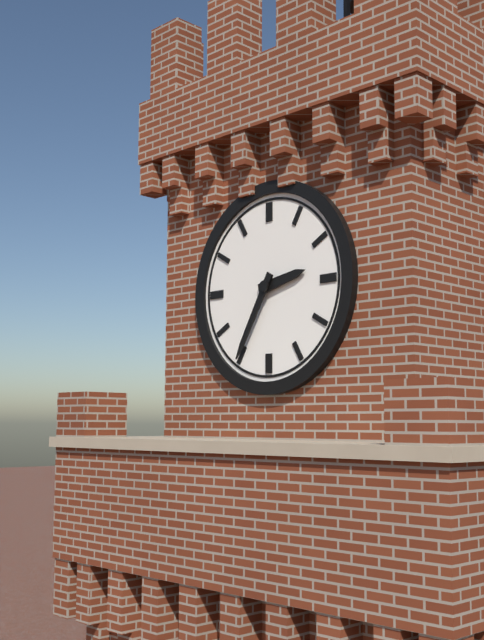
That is h=2 m=35
